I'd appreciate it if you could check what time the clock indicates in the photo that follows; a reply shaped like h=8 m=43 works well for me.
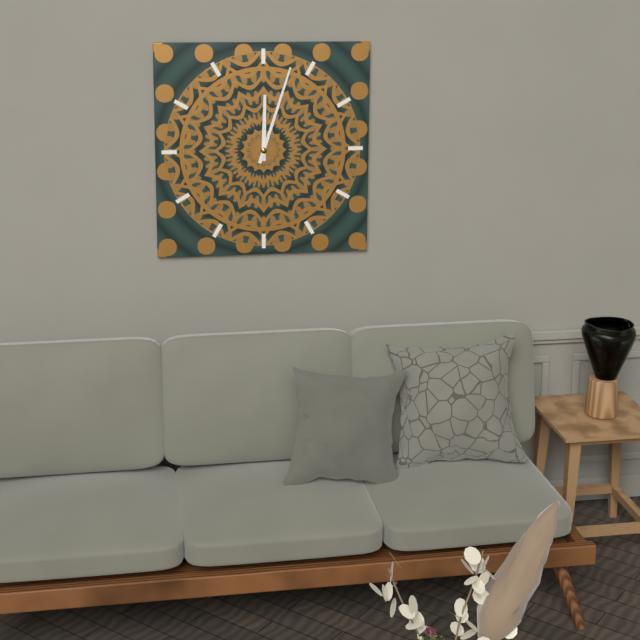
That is h=12 m=3
